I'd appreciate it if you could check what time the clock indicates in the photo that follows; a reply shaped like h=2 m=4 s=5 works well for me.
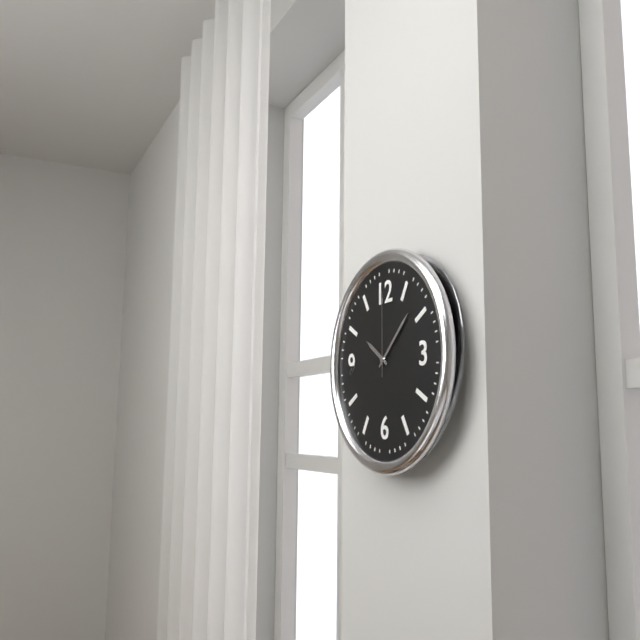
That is h=10 m=8 s=0
